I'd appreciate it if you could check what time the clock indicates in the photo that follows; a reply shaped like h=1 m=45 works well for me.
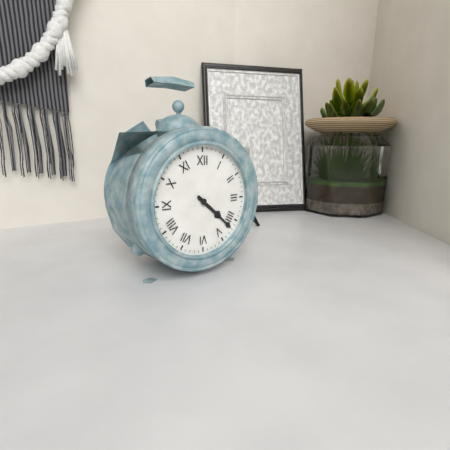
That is h=4 m=22
